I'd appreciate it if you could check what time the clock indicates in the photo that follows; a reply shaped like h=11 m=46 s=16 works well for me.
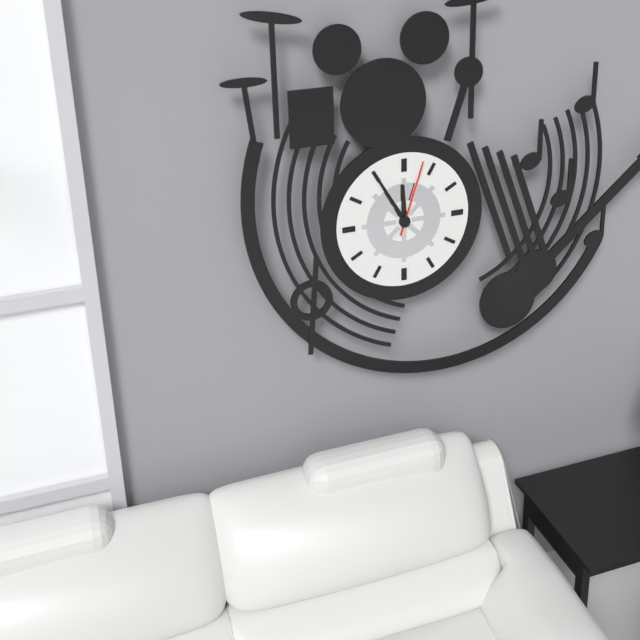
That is h=11 m=55 s=3
